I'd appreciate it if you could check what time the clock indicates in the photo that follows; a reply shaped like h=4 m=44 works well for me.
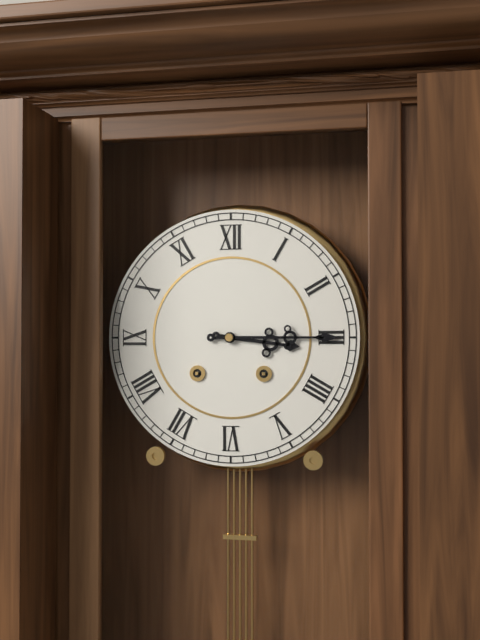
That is h=3 m=15
